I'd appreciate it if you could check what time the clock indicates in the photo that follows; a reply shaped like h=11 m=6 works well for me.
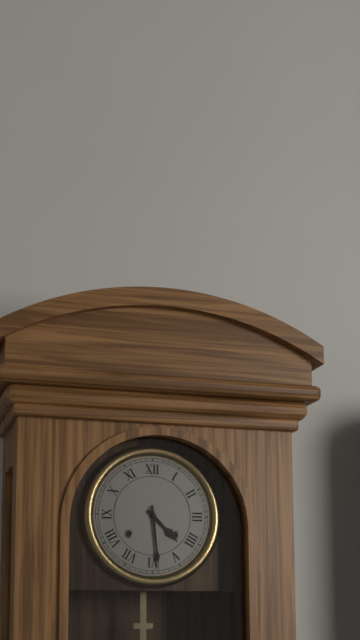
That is h=4 m=29
